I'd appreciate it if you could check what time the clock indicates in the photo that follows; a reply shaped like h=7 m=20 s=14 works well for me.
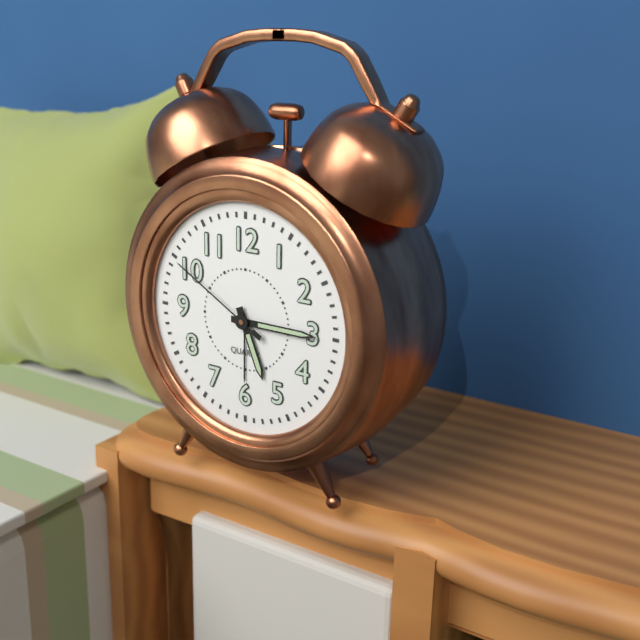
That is h=5 m=15 s=50
